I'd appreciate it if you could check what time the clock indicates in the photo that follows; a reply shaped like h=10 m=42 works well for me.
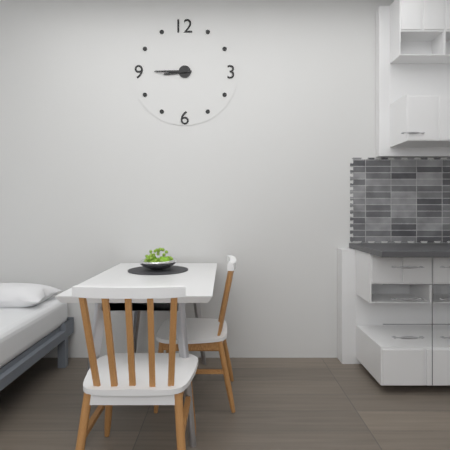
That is h=8 m=45
